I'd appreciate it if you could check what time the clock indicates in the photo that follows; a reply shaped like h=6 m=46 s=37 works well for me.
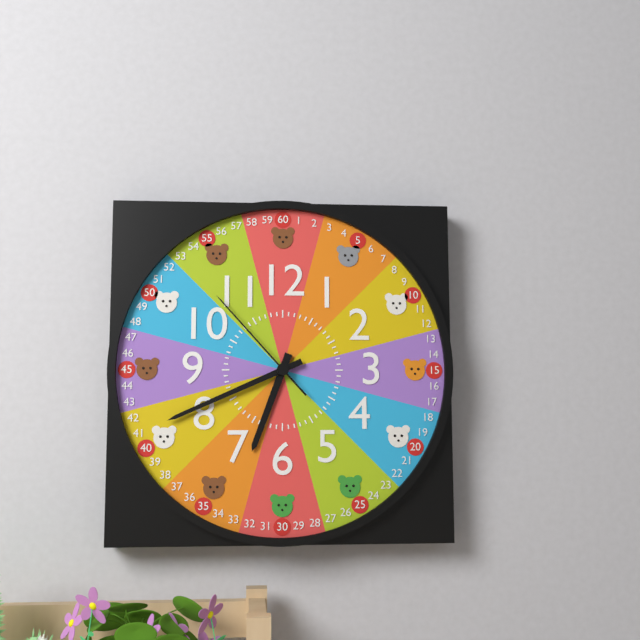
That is h=6 m=41 s=53
